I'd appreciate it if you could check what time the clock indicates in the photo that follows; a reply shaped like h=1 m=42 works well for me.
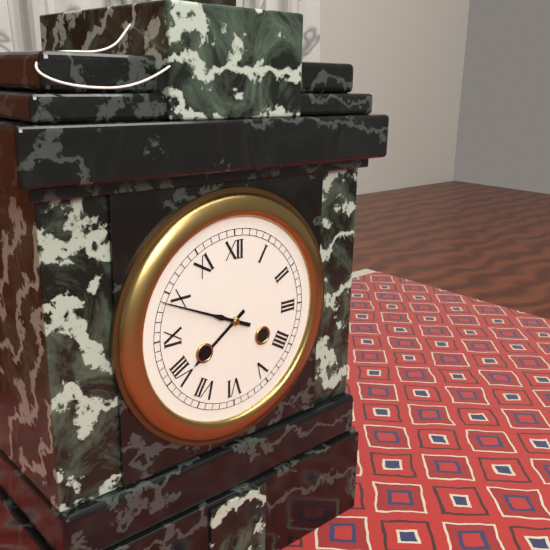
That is h=7 m=49
